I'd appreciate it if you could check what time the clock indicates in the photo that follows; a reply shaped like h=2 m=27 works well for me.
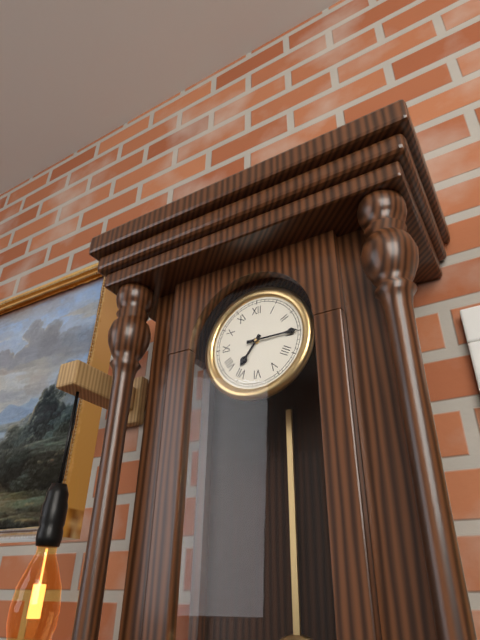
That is h=7 m=15
